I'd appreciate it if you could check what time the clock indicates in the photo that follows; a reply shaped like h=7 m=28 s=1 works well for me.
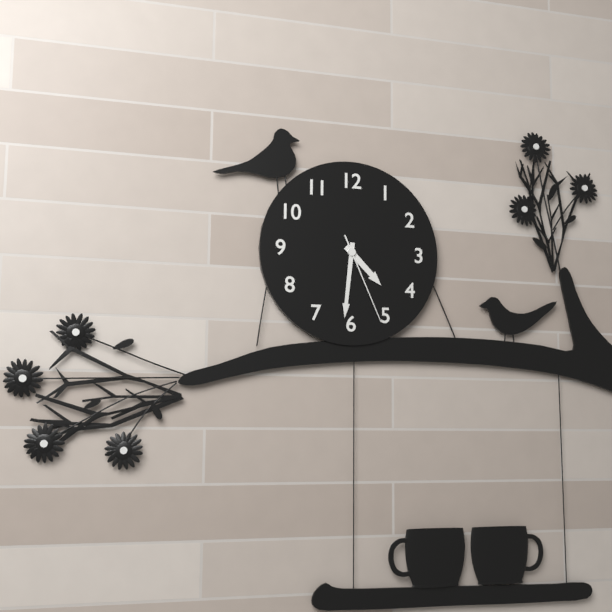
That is h=4 m=31 s=26
